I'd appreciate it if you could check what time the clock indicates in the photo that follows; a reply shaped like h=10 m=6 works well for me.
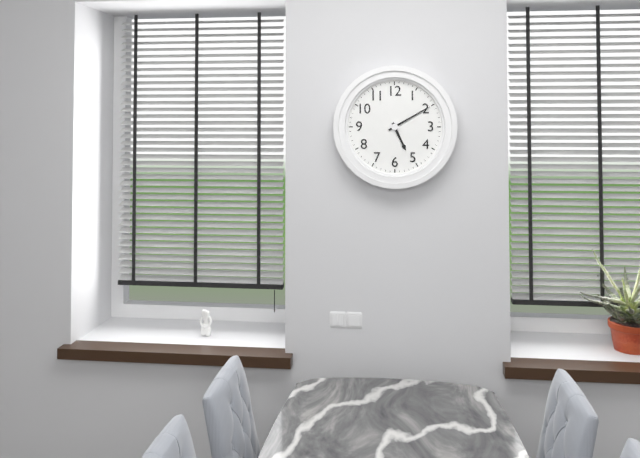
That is h=5 m=10
